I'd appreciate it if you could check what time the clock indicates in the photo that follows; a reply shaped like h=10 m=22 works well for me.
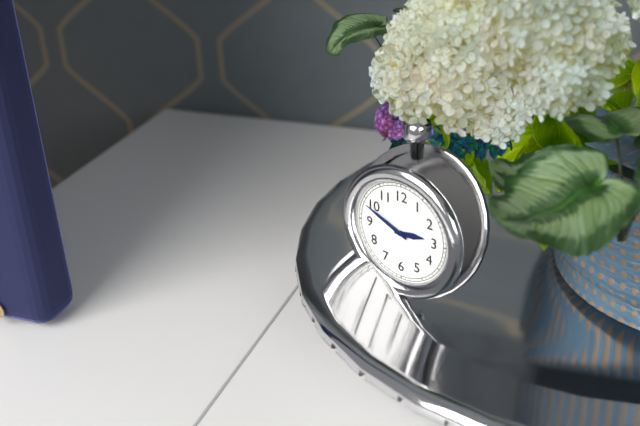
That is h=2 m=49
